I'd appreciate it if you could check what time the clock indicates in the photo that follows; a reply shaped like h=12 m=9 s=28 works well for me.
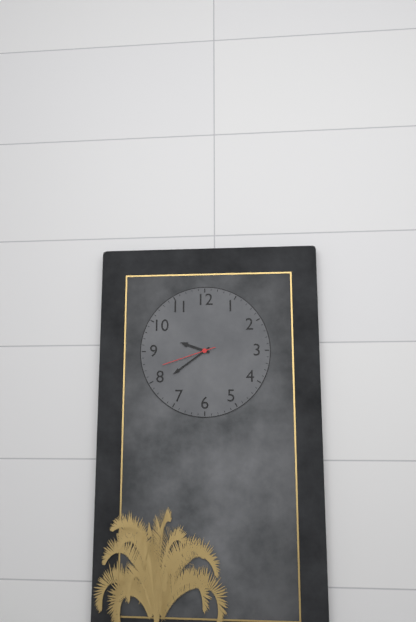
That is h=9 m=39 s=42
